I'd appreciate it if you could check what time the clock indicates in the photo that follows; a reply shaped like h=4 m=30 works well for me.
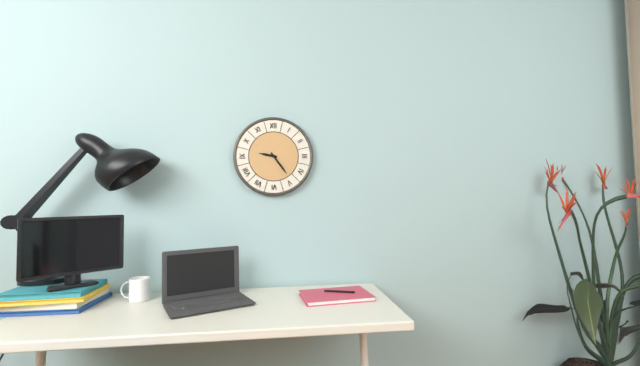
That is h=9 m=24
